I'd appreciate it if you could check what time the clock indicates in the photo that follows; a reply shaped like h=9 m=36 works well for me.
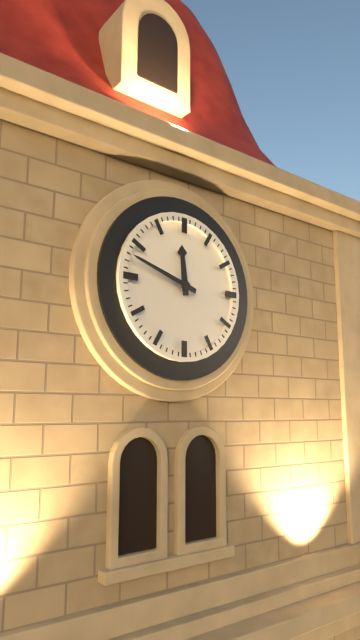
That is h=11 m=48
